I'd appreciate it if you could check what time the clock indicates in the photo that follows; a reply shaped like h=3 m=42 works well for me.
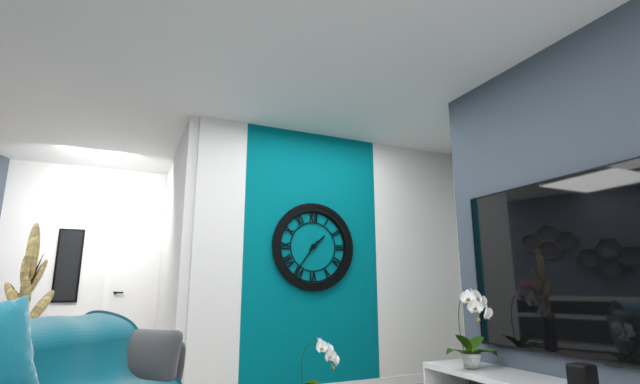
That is h=1 m=36
